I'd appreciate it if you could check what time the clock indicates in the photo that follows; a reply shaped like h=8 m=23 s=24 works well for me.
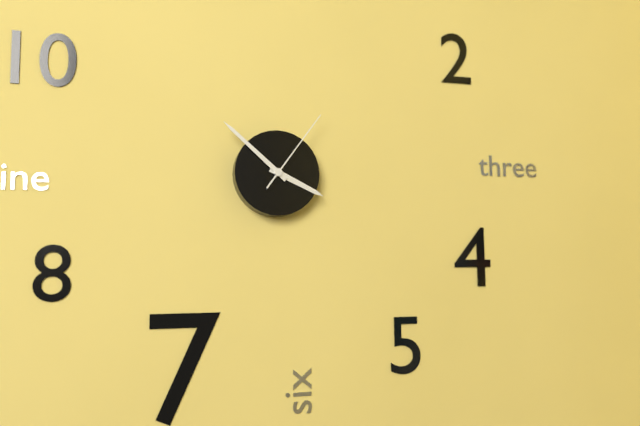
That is h=3 m=52 s=6
